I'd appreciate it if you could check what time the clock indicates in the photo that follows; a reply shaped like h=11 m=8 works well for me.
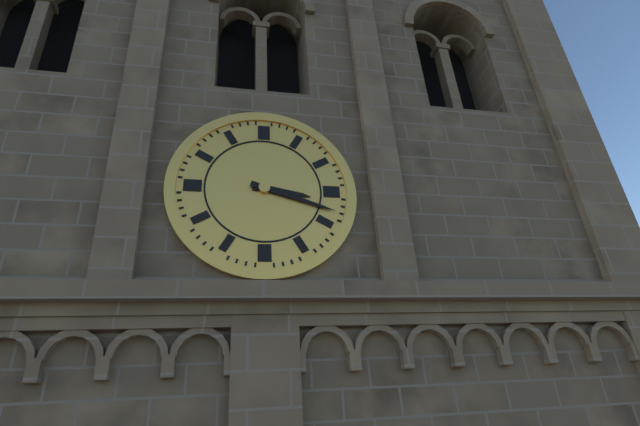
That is h=3 m=18
